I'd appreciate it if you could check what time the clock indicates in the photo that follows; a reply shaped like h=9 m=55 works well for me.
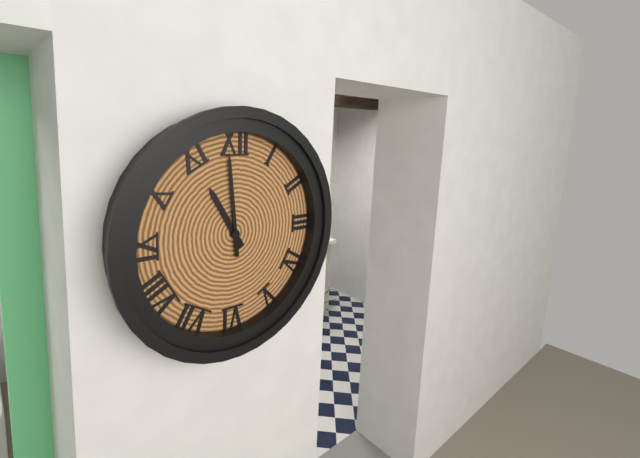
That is h=10 m=59
